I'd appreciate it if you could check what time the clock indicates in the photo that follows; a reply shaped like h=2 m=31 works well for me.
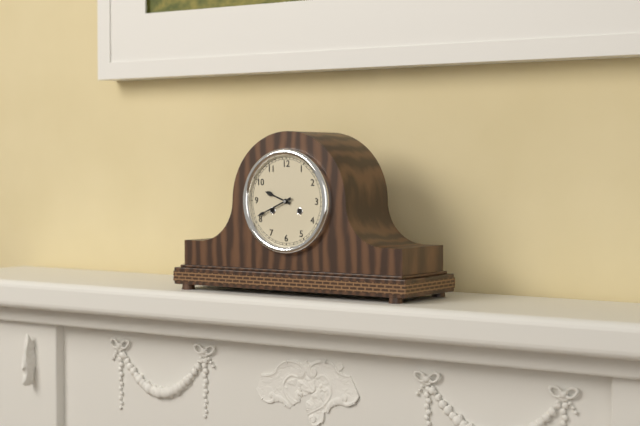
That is h=9 m=41
